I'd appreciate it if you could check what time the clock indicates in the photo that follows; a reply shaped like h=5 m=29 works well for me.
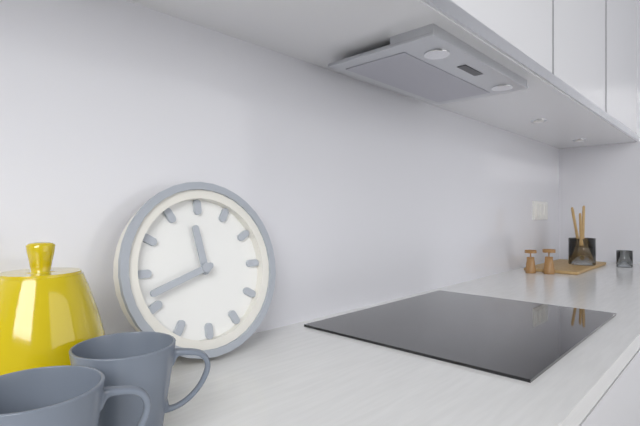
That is h=11 m=42
